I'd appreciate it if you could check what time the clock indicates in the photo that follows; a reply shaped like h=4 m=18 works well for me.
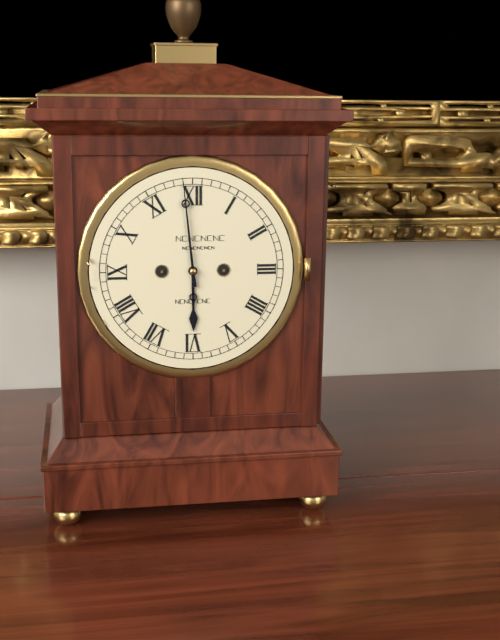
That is h=5 m=59
